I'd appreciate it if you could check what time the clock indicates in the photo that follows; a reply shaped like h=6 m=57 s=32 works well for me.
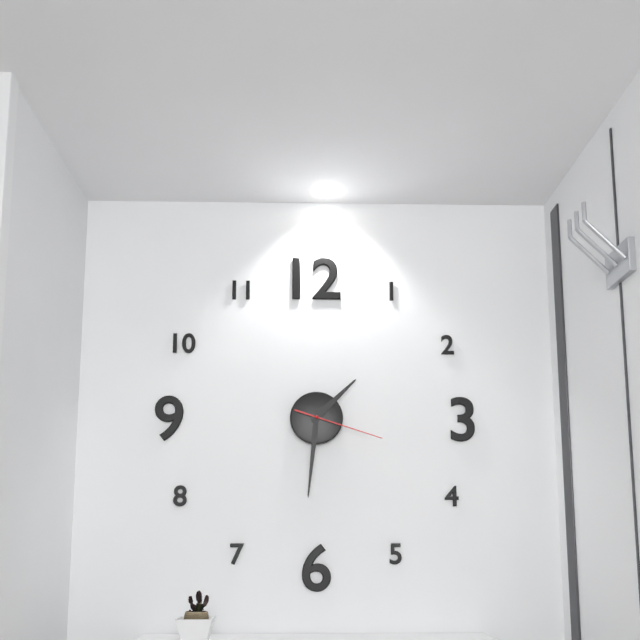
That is h=1 m=31 s=18
